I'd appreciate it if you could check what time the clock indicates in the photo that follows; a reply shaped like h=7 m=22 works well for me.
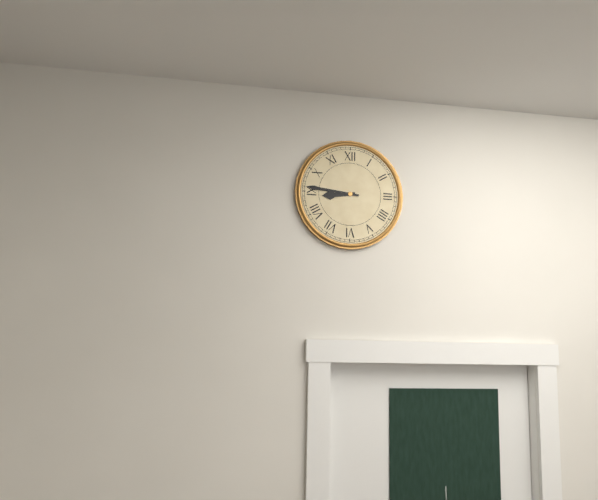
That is h=8 m=46
